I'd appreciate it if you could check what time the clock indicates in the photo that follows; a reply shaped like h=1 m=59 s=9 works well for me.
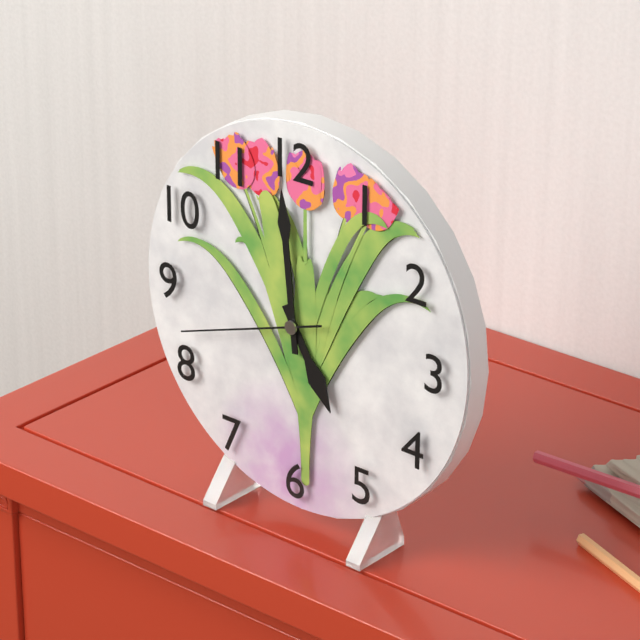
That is h=4 m=59 s=42
